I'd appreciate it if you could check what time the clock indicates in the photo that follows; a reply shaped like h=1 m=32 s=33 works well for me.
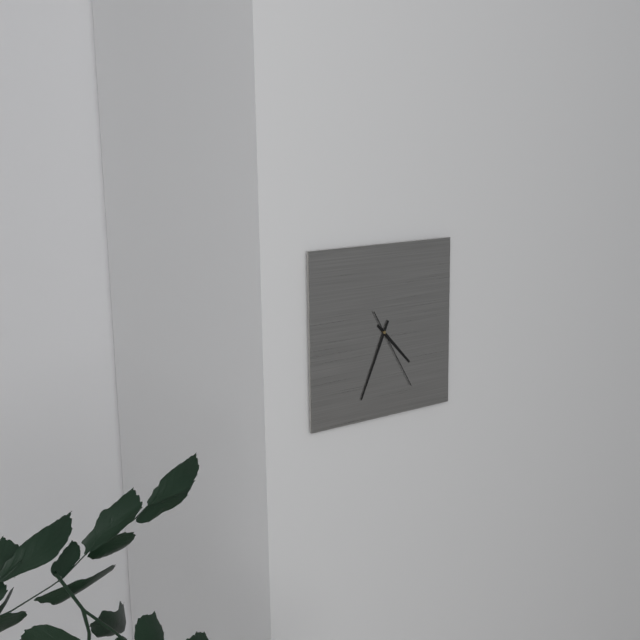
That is h=4 m=34 s=25
